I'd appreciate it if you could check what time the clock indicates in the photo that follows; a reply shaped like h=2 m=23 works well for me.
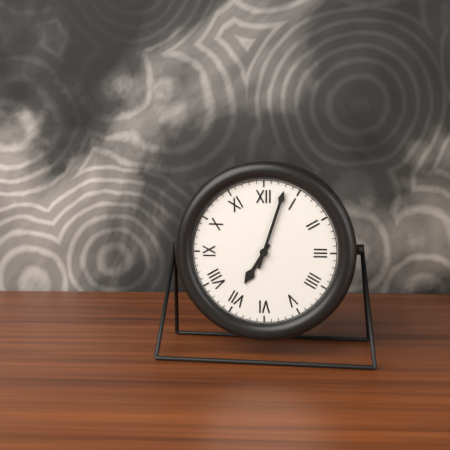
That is h=7 m=3
